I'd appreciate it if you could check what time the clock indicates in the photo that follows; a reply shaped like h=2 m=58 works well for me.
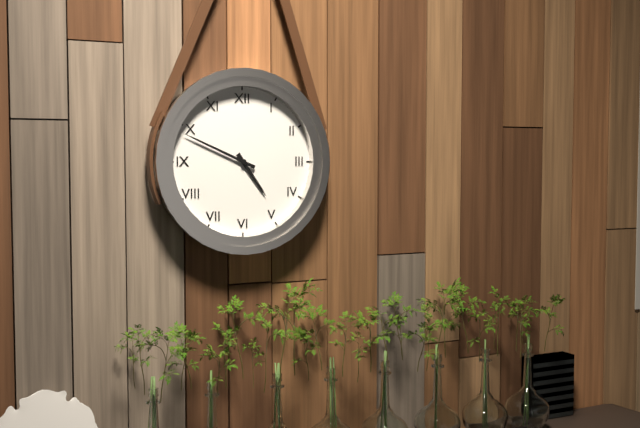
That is h=4 m=49
